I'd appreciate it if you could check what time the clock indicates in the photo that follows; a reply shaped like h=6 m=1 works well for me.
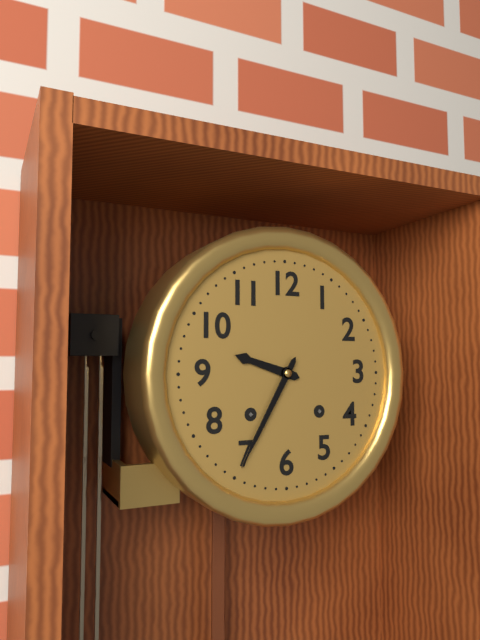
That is h=9 m=35
